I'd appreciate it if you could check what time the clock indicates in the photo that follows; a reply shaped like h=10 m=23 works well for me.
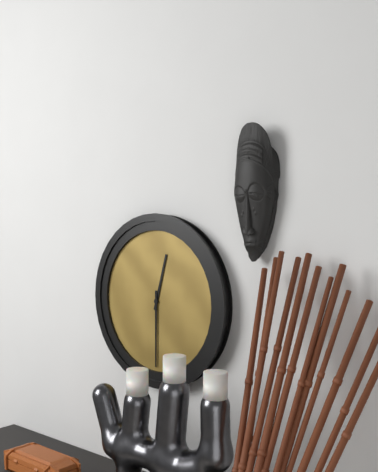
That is h=12 m=30
